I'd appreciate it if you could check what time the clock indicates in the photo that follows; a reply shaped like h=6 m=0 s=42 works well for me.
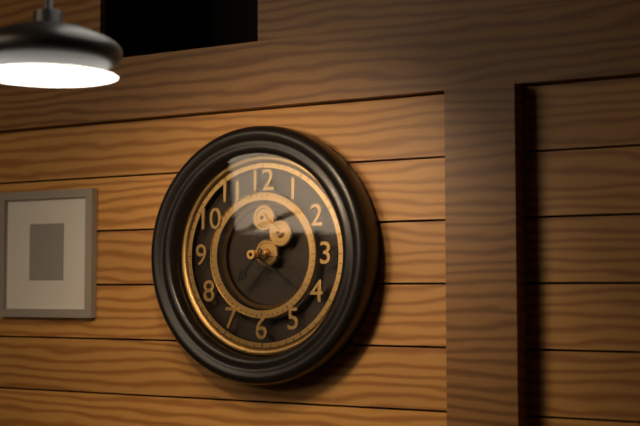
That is h=7 m=21 s=16
